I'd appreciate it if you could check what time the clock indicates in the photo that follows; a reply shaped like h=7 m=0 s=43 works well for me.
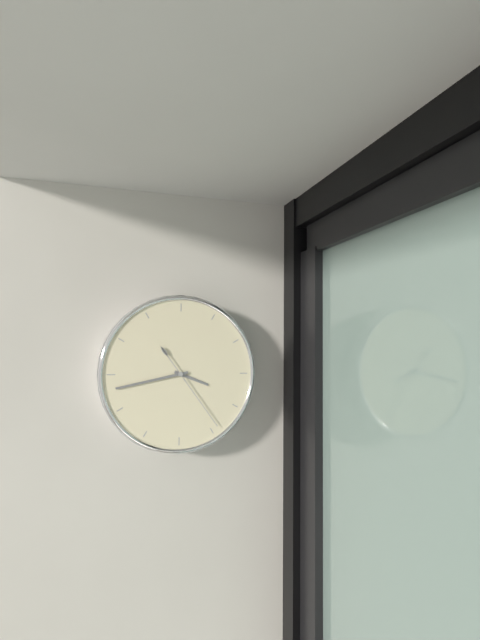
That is h=3 m=43 s=24
